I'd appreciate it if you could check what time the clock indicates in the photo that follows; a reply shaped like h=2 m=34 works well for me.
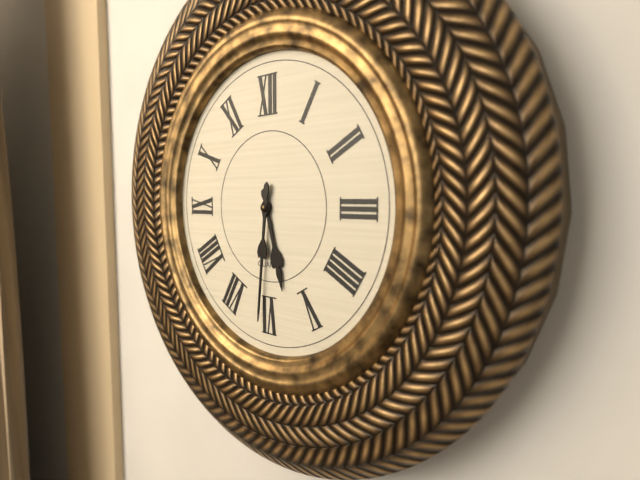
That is h=5 m=31
